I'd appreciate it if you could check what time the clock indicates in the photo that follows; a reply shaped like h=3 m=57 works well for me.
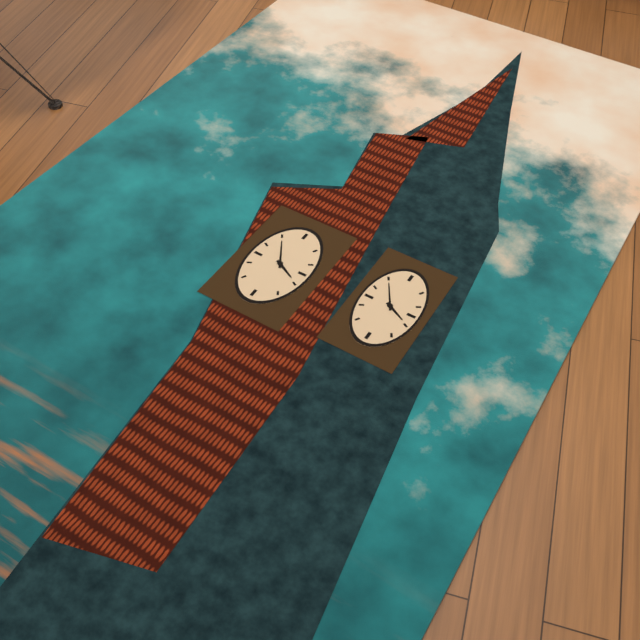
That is h=3 m=55
